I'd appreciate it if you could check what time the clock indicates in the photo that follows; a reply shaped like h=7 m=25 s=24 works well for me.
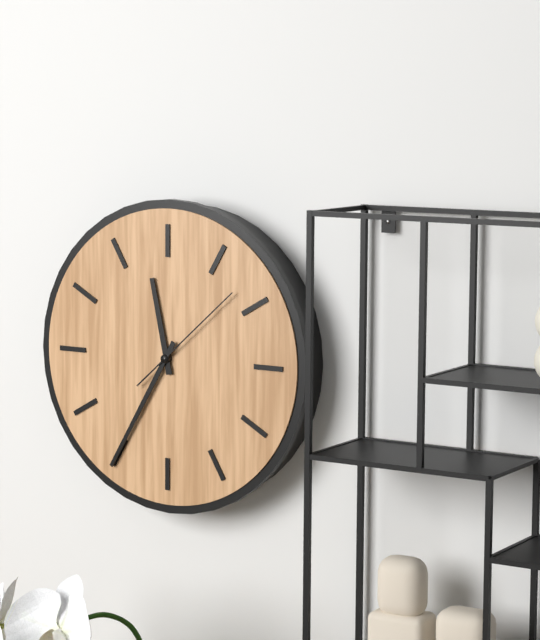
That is h=11 m=35 s=8
